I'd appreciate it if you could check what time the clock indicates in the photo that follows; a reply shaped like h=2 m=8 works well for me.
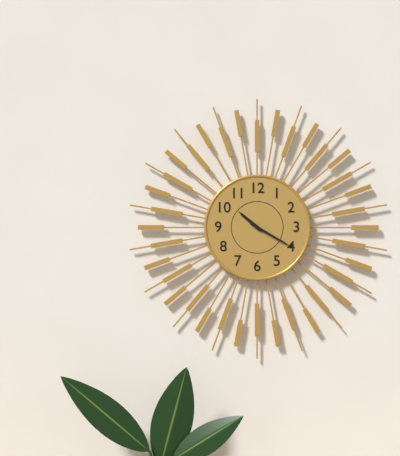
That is h=10 m=20
